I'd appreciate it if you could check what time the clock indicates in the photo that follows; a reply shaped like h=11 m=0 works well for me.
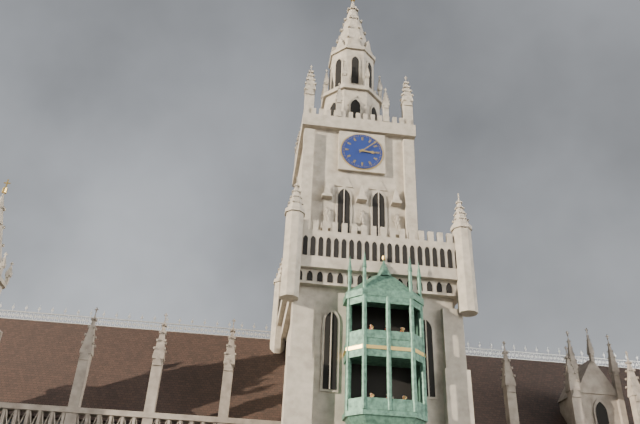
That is h=3 m=8
